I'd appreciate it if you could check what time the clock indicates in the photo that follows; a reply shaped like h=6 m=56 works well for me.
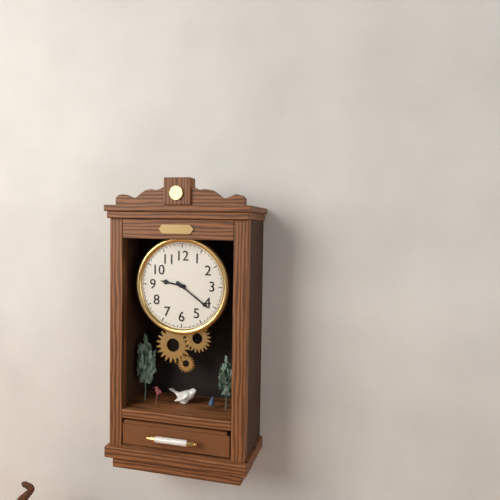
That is h=9 m=21
